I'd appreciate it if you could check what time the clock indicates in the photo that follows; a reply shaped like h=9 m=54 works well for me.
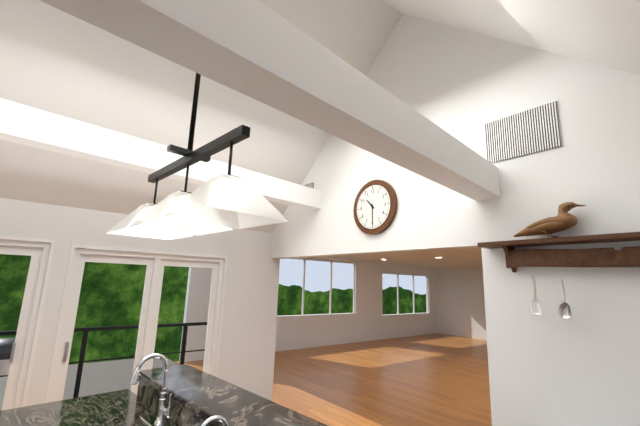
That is h=10 m=30
